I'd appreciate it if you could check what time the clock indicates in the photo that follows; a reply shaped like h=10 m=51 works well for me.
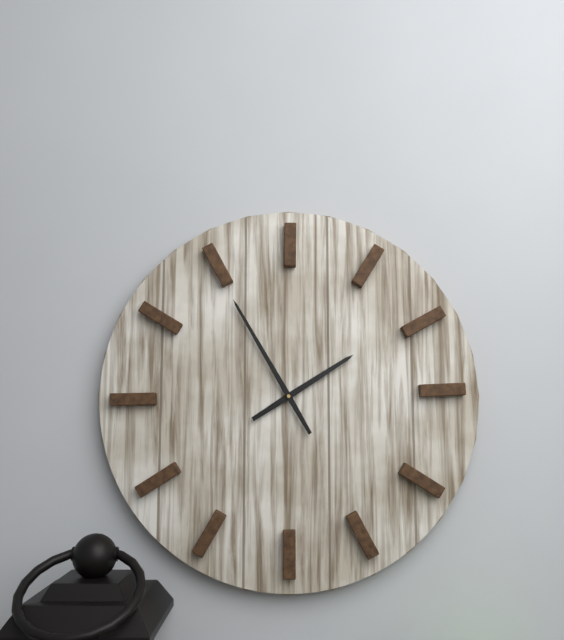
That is h=1 m=55
